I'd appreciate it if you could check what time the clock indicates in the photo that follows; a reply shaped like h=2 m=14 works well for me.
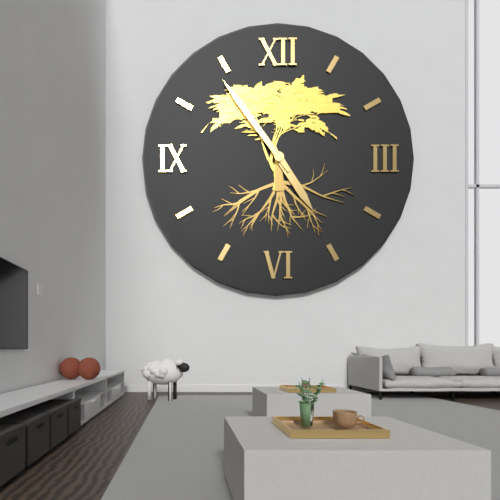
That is h=4 m=54
